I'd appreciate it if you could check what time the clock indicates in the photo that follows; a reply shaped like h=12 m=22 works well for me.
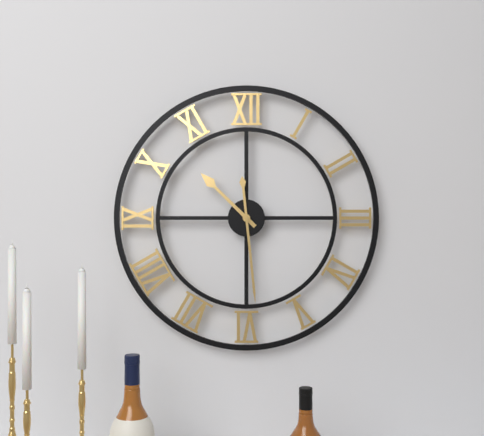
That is h=10 m=29
